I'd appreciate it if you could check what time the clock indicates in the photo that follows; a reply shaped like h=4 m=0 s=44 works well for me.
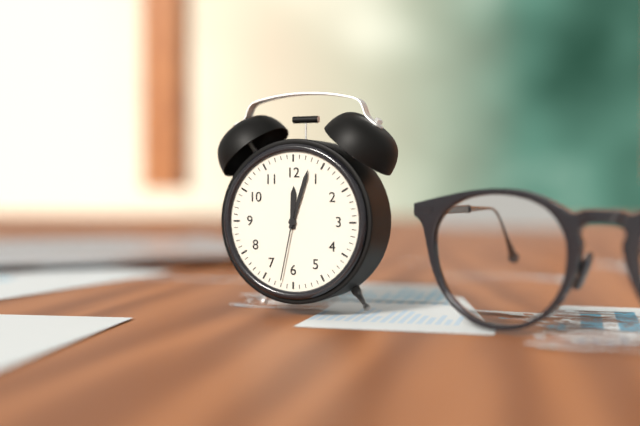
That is h=12 m=3 s=32
